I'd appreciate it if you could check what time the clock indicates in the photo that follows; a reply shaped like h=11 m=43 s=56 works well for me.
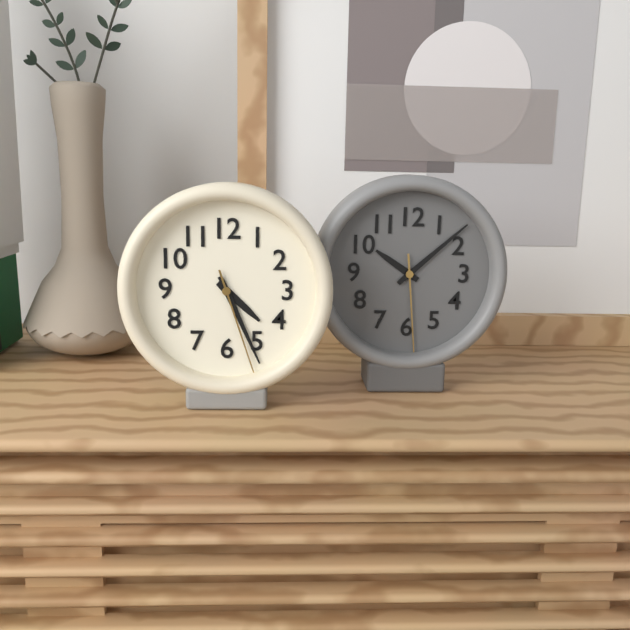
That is h=4 m=26 s=27
